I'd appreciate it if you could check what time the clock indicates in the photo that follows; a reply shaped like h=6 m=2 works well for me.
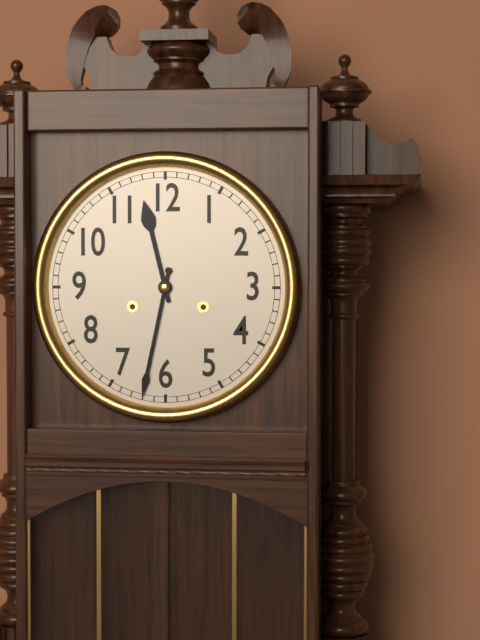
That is h=11 m=32
